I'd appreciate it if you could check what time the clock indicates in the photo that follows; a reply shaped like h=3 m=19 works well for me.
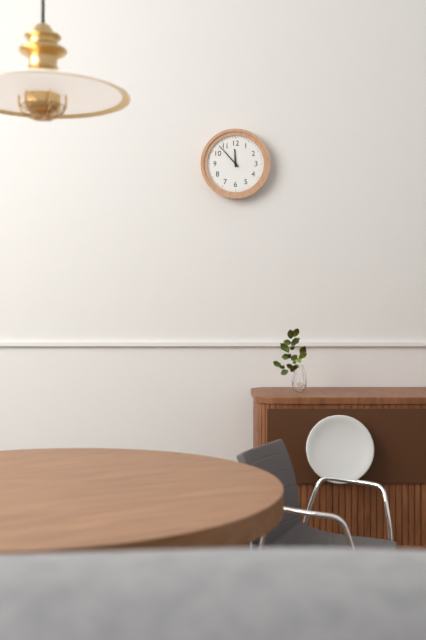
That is h=11 m=53
